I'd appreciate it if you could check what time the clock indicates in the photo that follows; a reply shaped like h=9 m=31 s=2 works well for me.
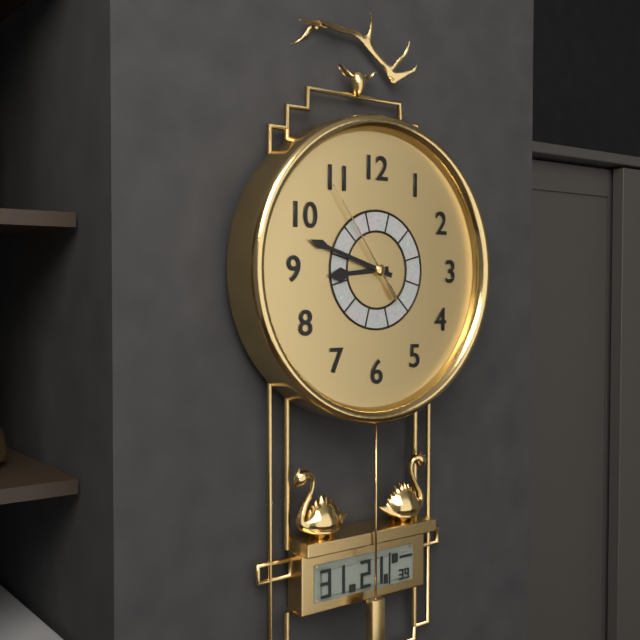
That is h=8 m=48 s=54
